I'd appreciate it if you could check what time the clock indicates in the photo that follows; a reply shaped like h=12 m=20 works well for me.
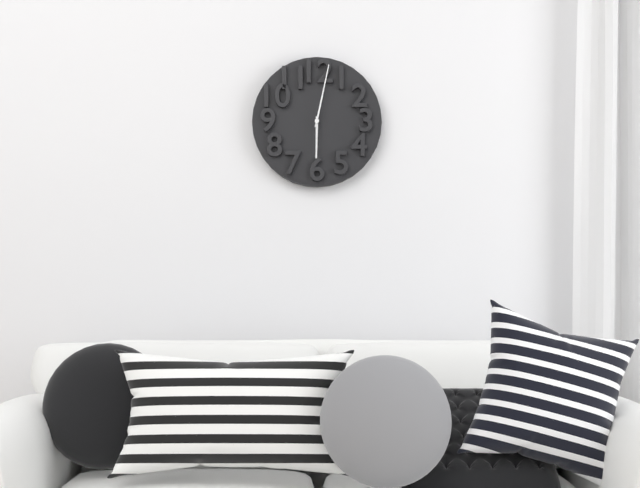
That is h=6 m=2
